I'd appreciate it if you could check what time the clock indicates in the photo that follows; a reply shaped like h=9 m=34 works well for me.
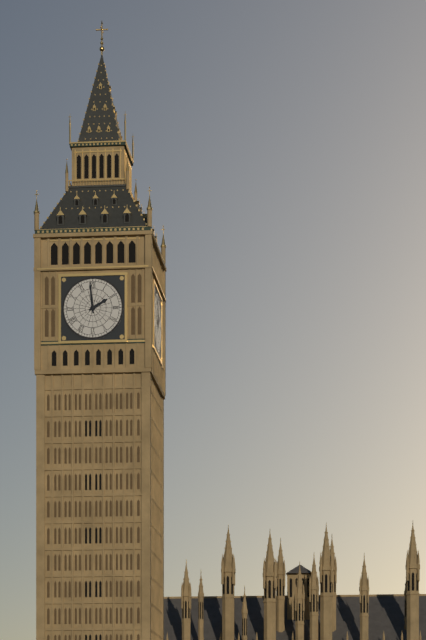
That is h=1 m=59
